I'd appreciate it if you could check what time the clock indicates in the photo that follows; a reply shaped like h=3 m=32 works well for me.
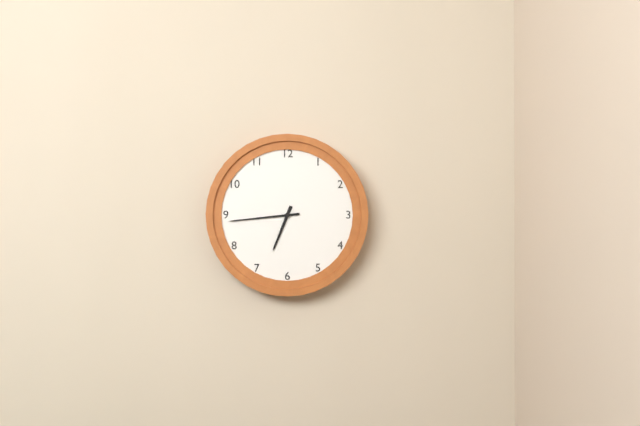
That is h=6 m=44
